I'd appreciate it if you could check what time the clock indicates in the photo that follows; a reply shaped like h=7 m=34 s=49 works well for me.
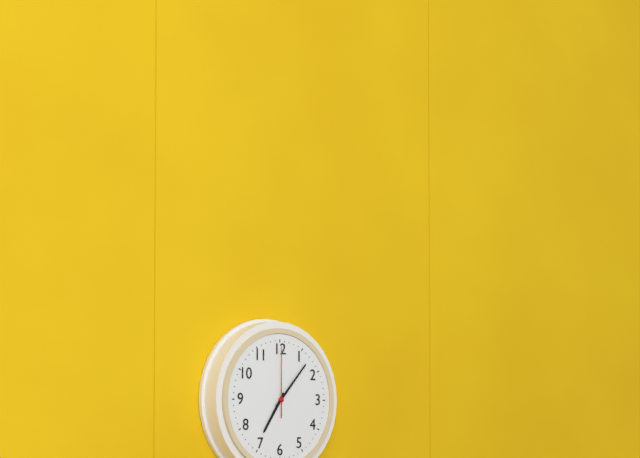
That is h=7 m=7 s=0
